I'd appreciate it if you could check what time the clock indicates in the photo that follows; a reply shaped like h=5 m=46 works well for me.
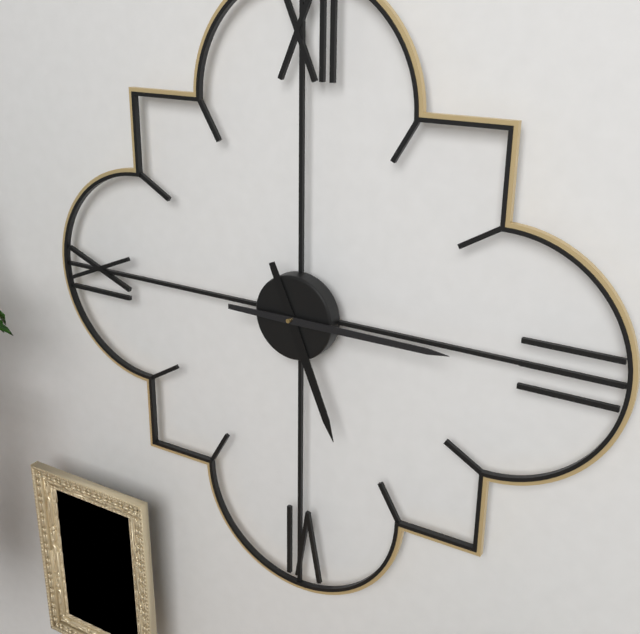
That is h=5 m=15
